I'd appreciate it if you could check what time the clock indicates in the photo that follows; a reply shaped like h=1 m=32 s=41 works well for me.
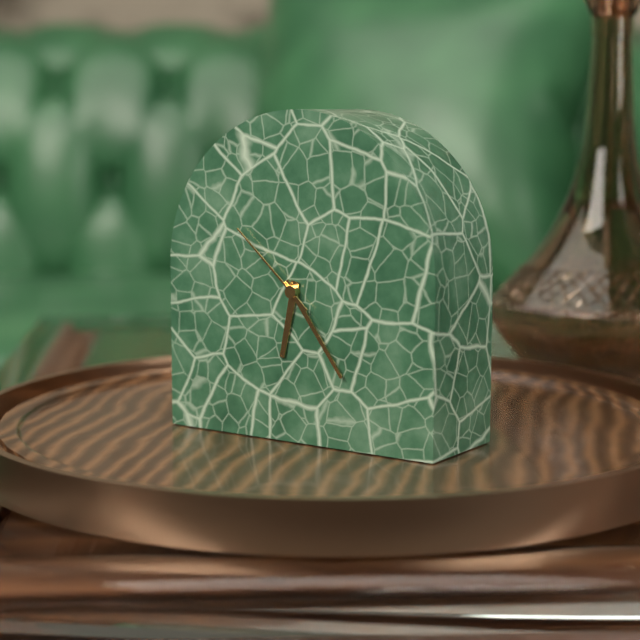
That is h=6 m=24 s=52
